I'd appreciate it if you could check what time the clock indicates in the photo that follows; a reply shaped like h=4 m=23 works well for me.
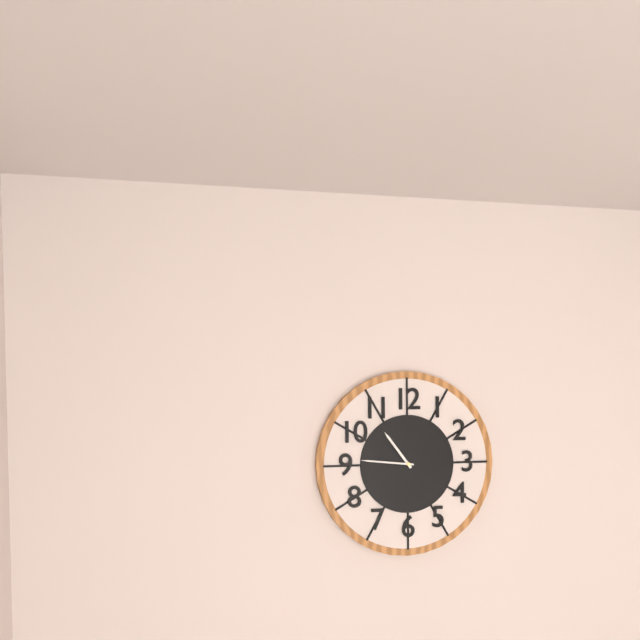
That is h=10 m=46
